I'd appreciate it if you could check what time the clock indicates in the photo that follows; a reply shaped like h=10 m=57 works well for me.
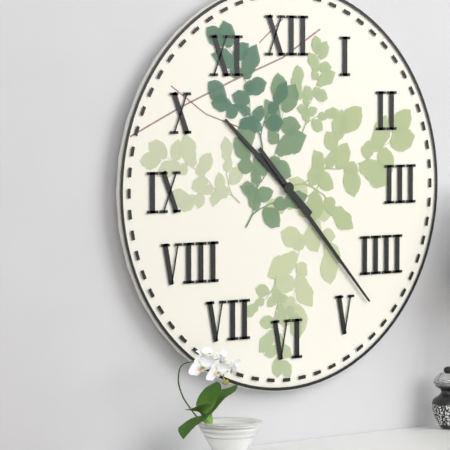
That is h=10 m=23
